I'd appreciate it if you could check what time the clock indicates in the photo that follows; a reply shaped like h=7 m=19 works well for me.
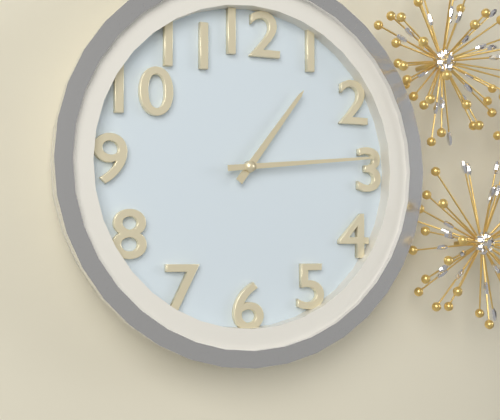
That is h=1 m=14
